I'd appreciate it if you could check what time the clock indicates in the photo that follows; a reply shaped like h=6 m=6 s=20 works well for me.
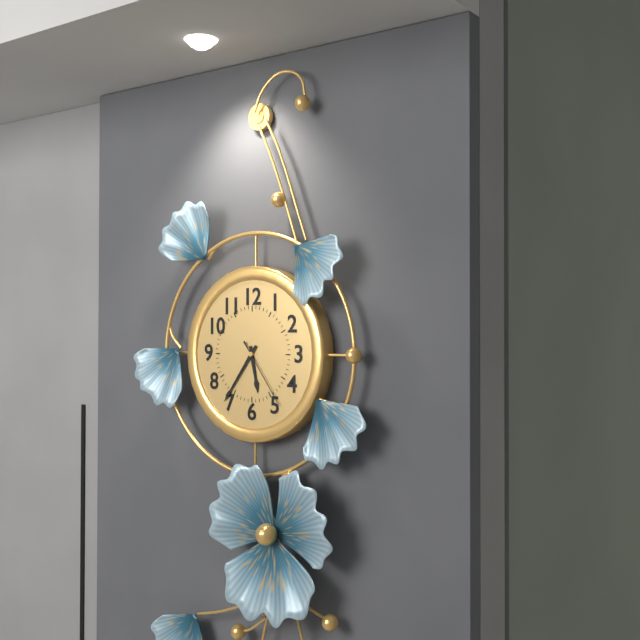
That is h=5 m=36 s=24
